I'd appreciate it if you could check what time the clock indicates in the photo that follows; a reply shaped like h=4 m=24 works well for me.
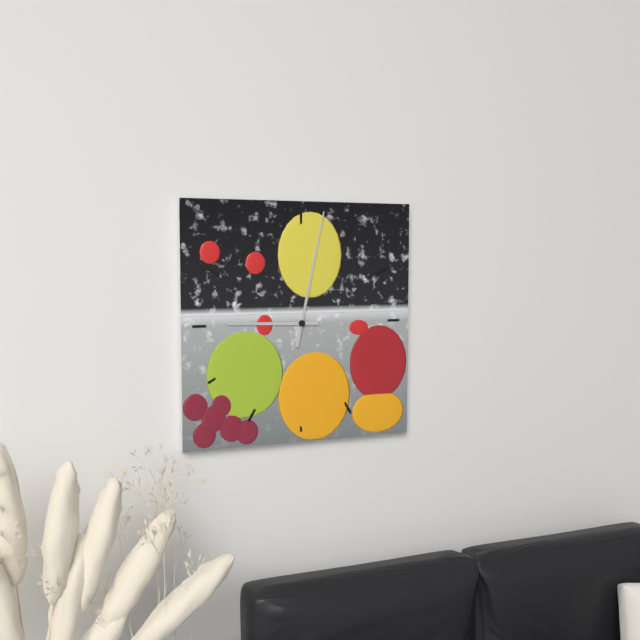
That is h=9 m=2
